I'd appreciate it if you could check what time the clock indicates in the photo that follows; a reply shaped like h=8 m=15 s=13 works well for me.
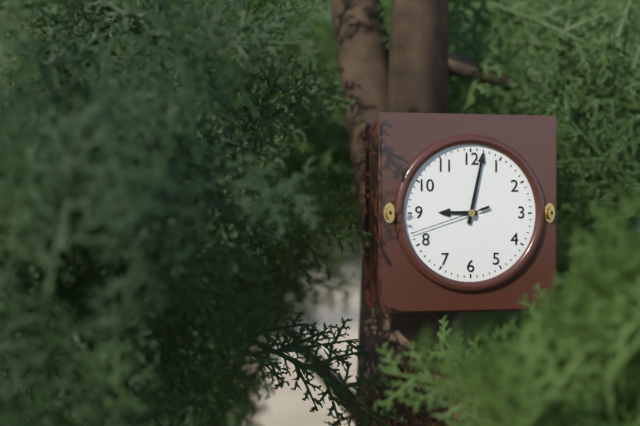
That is h=9 m=2 s=42
